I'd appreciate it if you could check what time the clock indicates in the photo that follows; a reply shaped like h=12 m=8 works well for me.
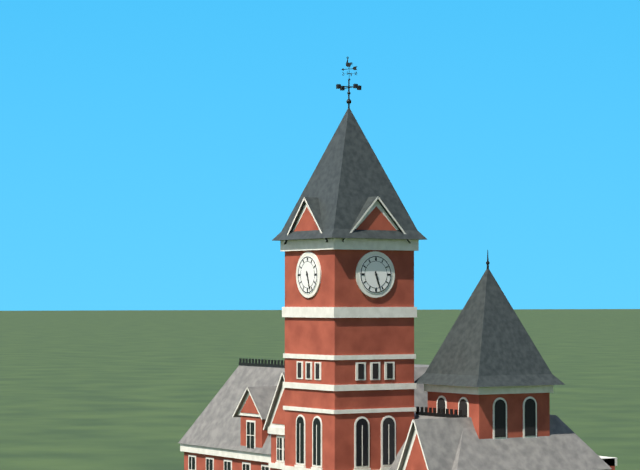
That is h=5 m=27
